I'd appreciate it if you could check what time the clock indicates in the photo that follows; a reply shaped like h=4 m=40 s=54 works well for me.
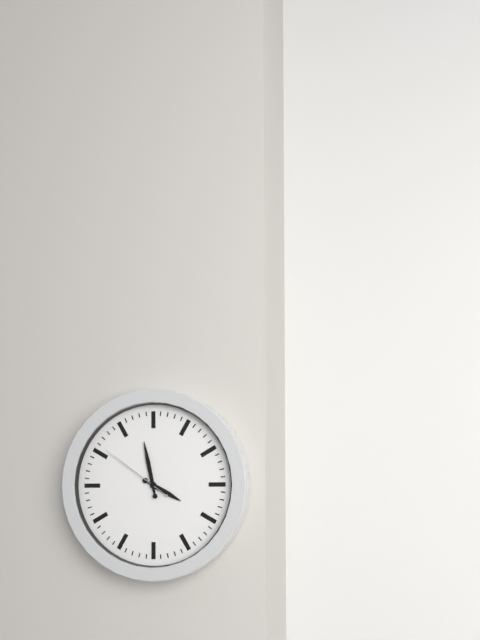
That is h=3 m=58 s=51
